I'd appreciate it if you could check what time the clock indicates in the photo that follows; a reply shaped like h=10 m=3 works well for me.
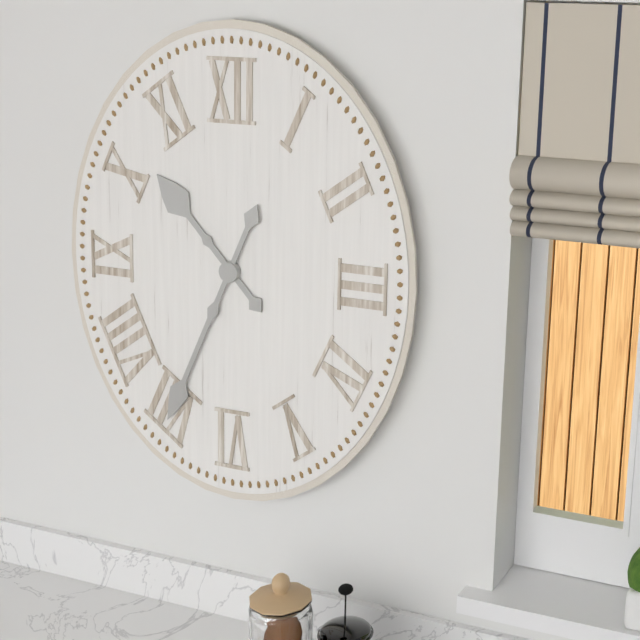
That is h=10 m=34
